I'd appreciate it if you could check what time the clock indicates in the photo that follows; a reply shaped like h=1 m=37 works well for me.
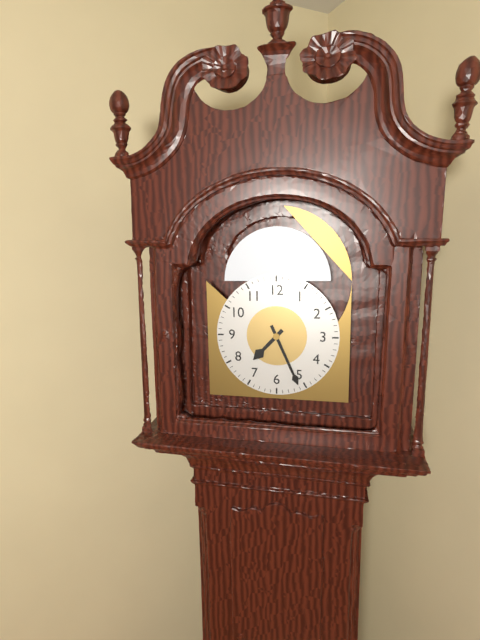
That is h=7 m=26
